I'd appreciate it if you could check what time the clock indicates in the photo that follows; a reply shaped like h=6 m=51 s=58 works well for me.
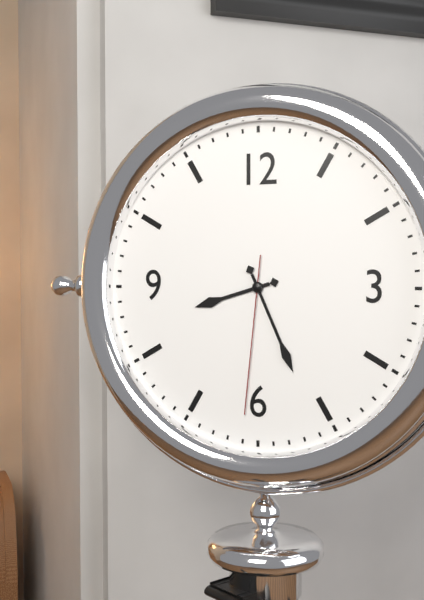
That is h=8 m=26 s=31
